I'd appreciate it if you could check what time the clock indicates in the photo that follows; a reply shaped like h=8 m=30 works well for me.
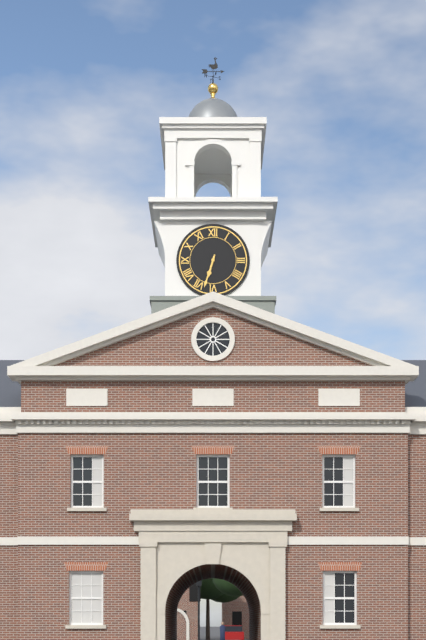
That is h=6 m=33
